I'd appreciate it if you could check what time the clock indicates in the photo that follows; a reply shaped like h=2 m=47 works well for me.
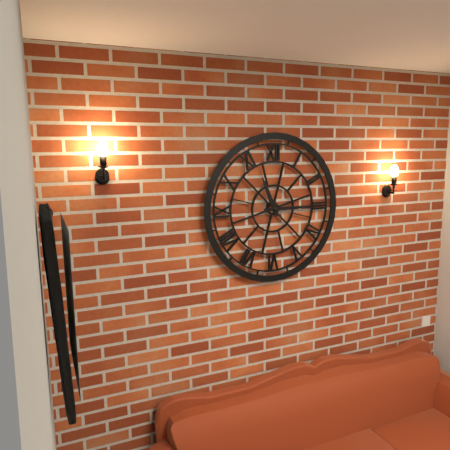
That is h=11 m=15
